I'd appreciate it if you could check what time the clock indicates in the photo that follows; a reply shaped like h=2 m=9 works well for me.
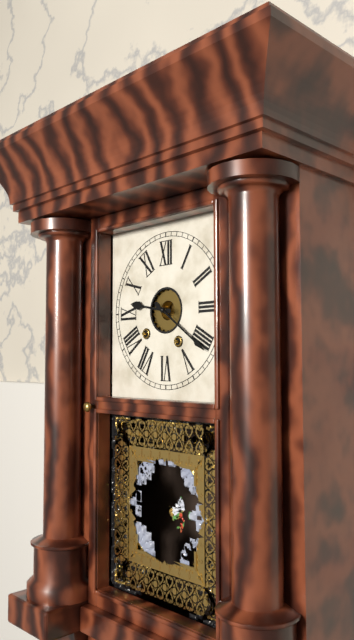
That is h=9 m=21
